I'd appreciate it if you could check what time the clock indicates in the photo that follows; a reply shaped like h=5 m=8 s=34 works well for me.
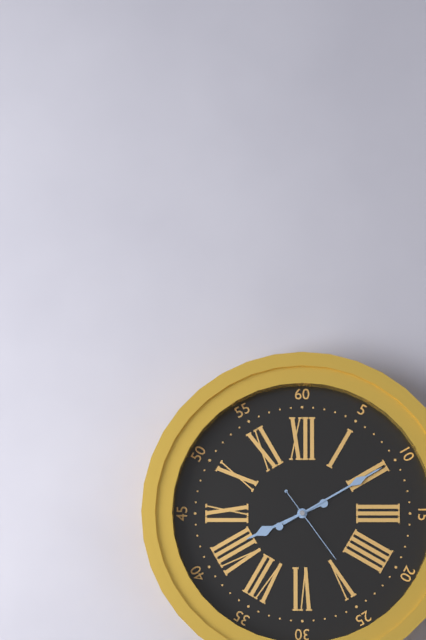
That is h=8 m=10 s=24
